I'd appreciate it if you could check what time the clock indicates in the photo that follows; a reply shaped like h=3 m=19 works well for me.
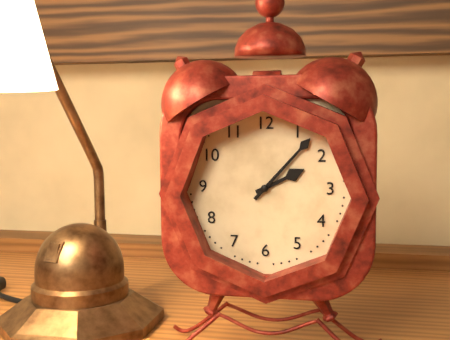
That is h=2 m=7
